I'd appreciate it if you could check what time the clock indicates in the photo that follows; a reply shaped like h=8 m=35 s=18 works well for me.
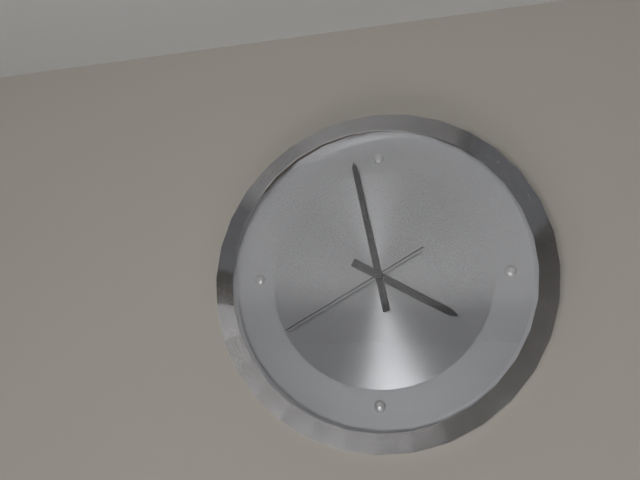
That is h=3 m=58 s=40
